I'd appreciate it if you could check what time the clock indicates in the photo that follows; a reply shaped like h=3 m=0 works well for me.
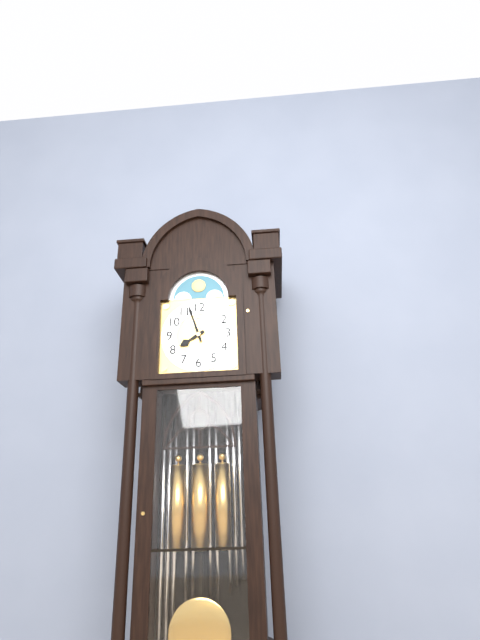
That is h=7 m=57
